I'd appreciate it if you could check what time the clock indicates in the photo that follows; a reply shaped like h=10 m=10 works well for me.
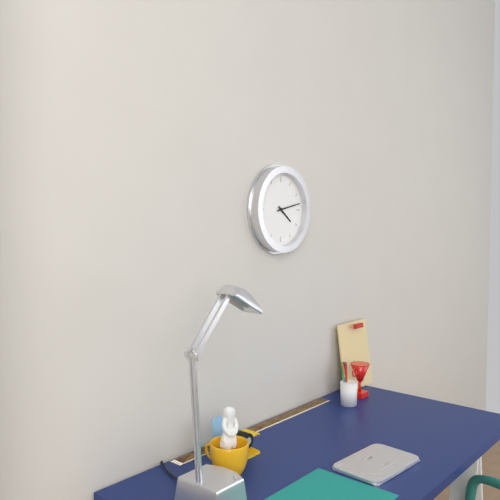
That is h=4 m=13
